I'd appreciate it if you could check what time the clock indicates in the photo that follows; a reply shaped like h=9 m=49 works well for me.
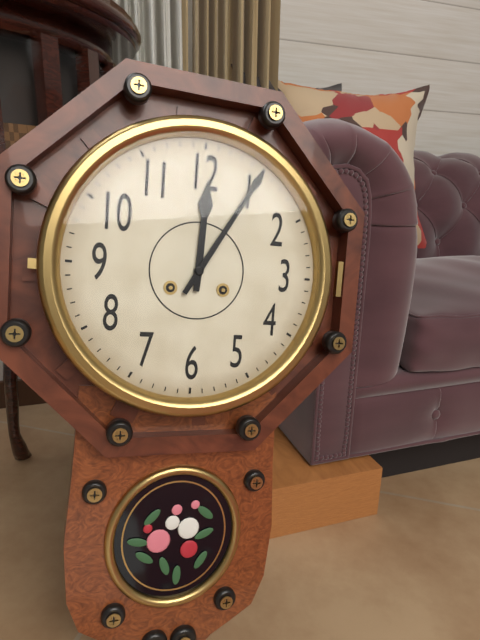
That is h=12 m=5
